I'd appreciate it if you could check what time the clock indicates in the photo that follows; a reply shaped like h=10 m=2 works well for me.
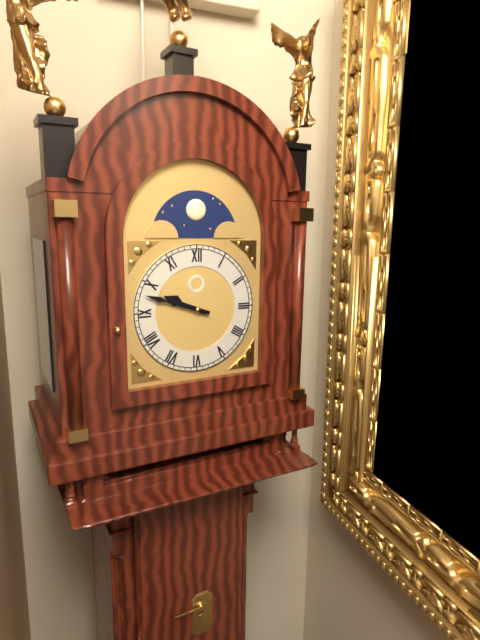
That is h=9 m=48
